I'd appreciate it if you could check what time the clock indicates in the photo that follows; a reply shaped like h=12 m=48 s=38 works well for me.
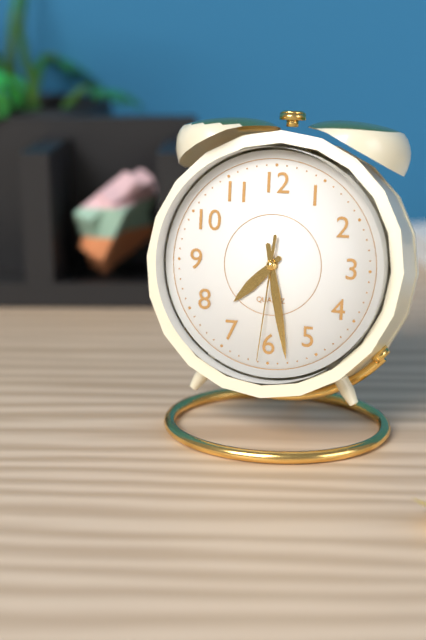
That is h=7 m=28 s=31
